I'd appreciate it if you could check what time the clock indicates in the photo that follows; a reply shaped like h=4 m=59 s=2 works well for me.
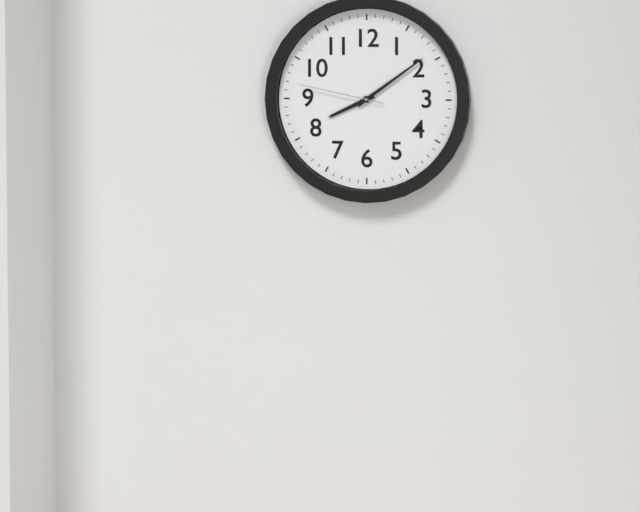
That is h=8 m=9 s=47
